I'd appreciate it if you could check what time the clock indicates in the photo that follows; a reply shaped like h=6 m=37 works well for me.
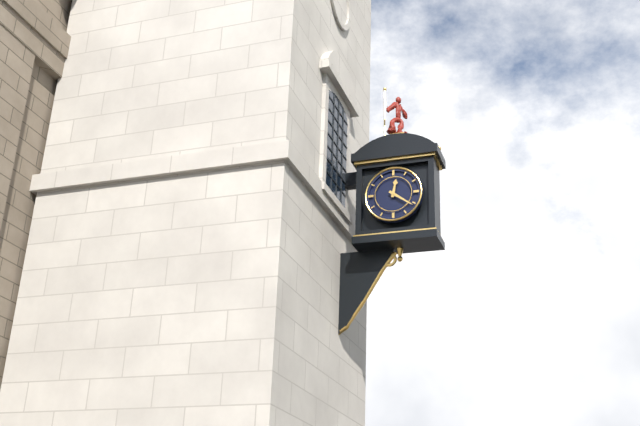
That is h=12 m=21
